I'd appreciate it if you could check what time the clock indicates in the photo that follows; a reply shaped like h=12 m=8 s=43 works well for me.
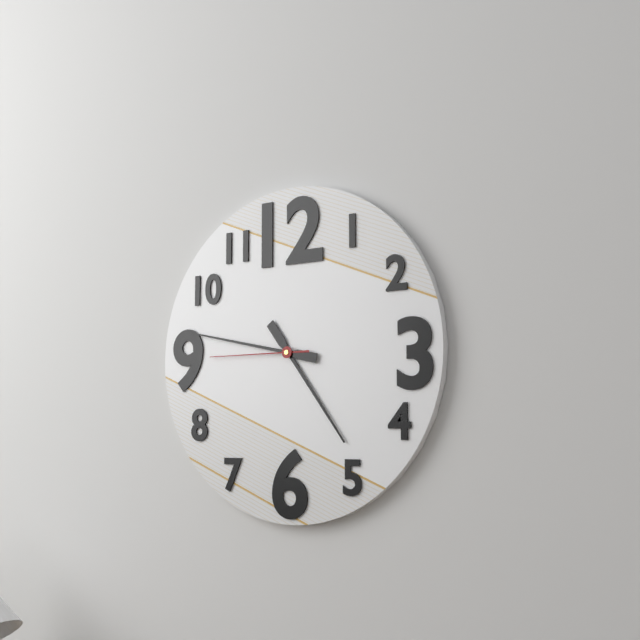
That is h=4 m=47 s=45
